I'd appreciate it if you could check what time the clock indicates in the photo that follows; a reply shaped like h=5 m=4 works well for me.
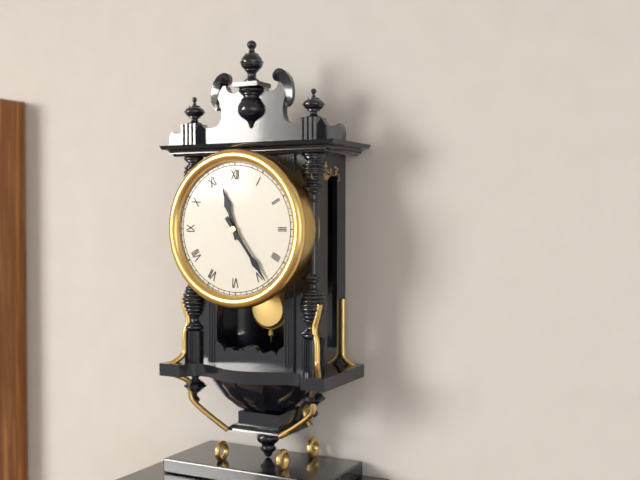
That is h=11 m=24
